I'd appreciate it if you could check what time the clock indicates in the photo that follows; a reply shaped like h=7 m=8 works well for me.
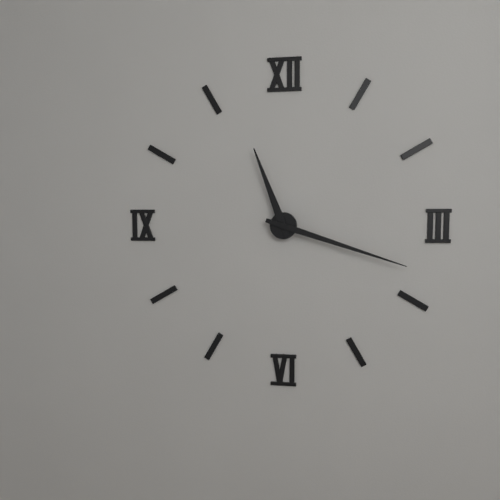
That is h=11 m=18
